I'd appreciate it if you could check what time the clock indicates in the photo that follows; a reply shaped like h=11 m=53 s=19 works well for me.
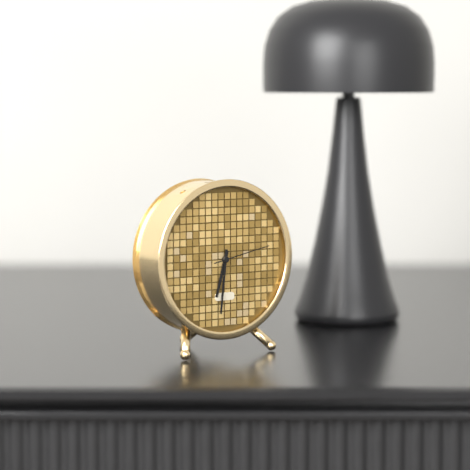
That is h=6 m=31 s=13
